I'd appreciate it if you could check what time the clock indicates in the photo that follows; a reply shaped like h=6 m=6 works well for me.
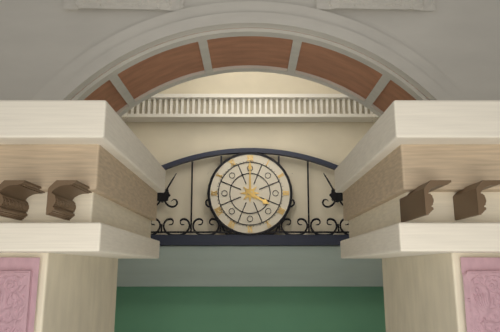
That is h=4 m=0
